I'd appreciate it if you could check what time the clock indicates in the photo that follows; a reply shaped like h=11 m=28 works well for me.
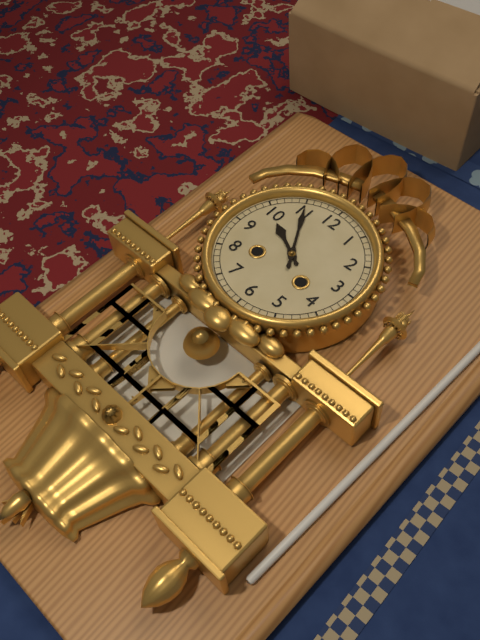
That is h=9 m=55
